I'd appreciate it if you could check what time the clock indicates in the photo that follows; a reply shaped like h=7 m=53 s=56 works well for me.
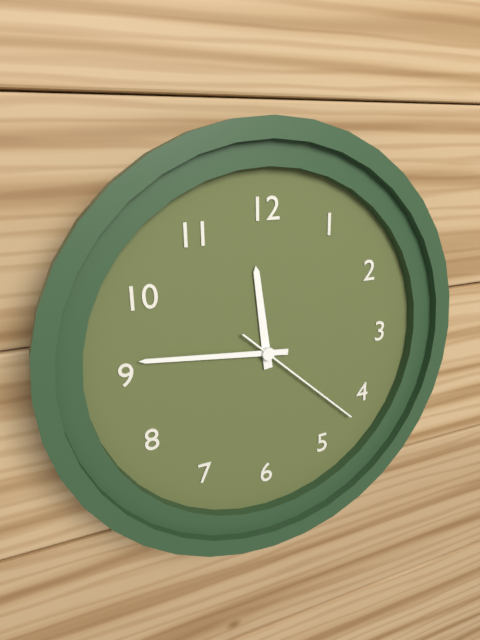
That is h=11 m=46 s=22
